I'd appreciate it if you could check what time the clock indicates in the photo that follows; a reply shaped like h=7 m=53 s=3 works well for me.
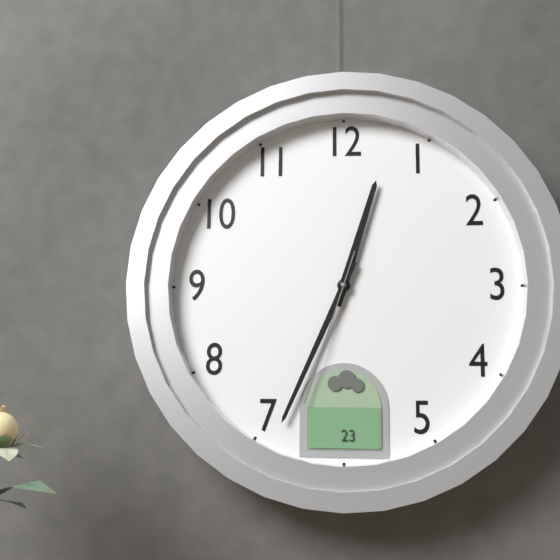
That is h=12 m=34 s=33
